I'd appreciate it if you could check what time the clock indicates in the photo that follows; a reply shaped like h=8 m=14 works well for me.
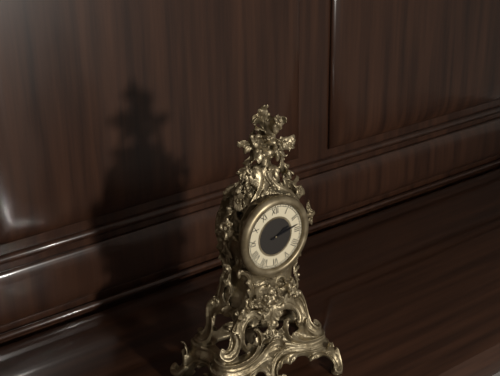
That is h=2 m=13
